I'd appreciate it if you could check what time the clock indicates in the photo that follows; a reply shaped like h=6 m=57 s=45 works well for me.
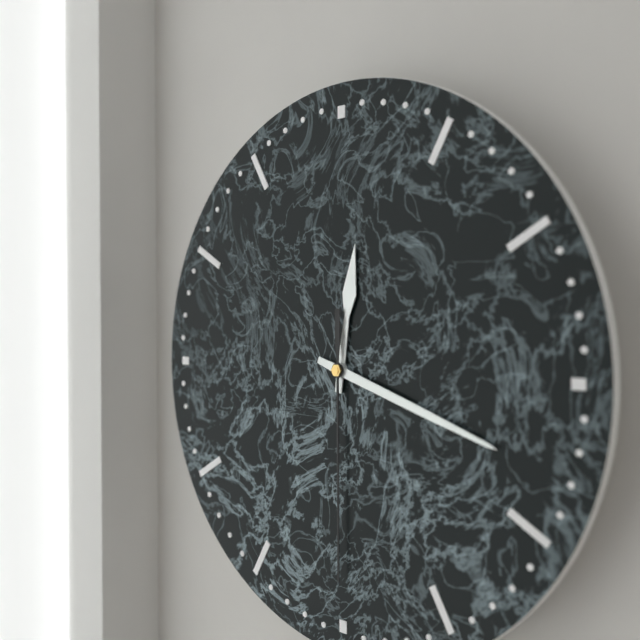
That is h=12 m=18 s=30
